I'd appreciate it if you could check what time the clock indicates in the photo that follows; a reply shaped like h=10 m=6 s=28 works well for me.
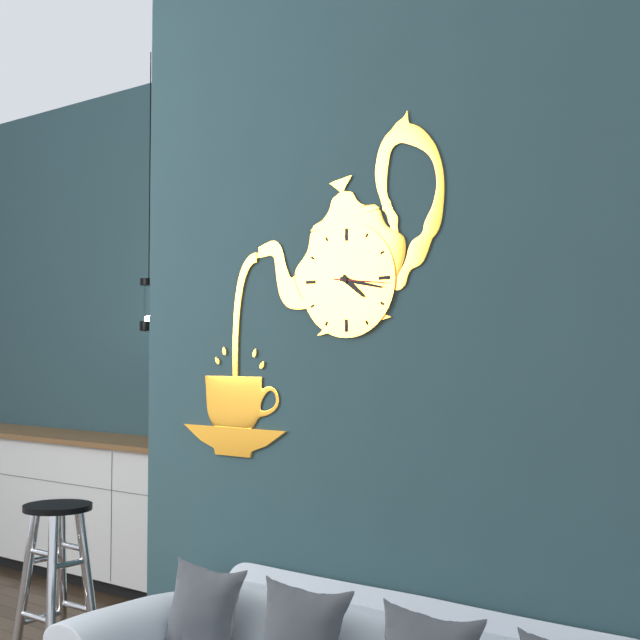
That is h=4 m=17 s=16
